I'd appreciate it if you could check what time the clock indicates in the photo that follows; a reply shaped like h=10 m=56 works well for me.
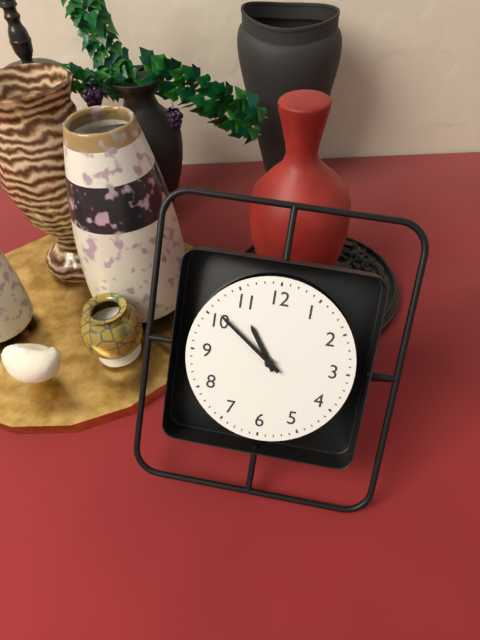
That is h=10 m=51
